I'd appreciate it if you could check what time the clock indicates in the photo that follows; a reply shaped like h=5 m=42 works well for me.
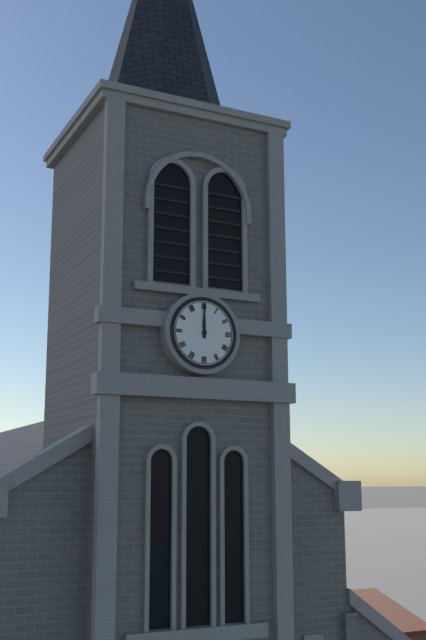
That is h=12 m=0
